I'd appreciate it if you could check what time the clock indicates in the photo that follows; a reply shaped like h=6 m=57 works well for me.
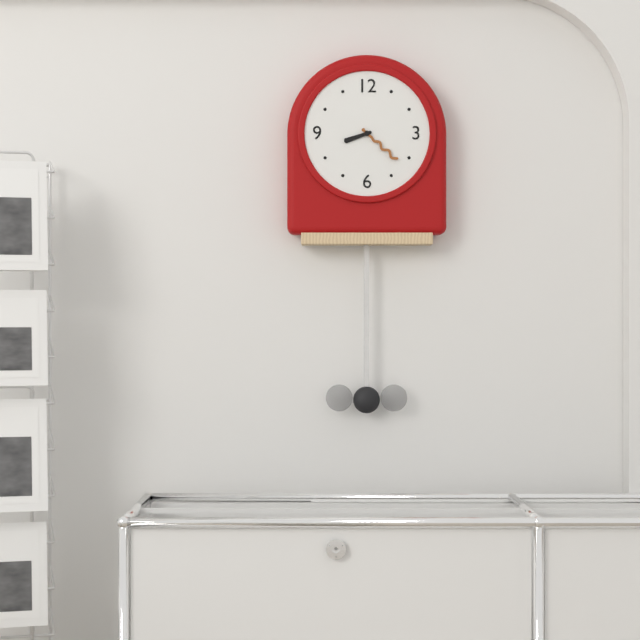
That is h=8 m=22
